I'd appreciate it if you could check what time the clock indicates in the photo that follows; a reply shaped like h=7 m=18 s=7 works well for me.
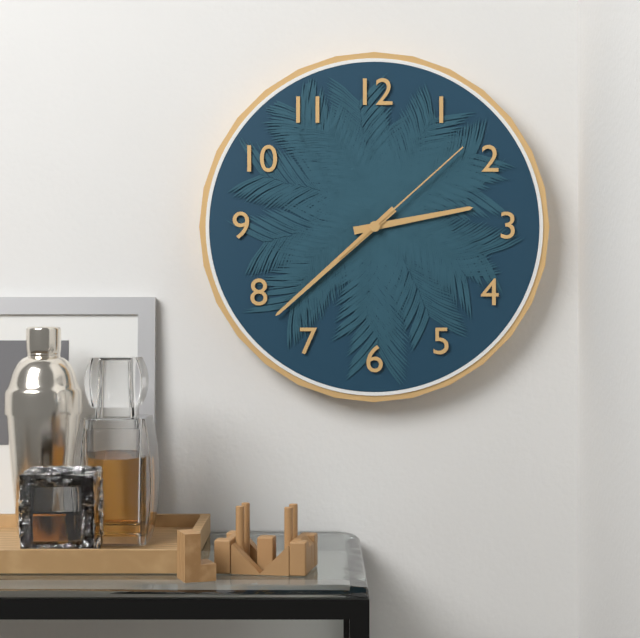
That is h=2 m=38 s=8
